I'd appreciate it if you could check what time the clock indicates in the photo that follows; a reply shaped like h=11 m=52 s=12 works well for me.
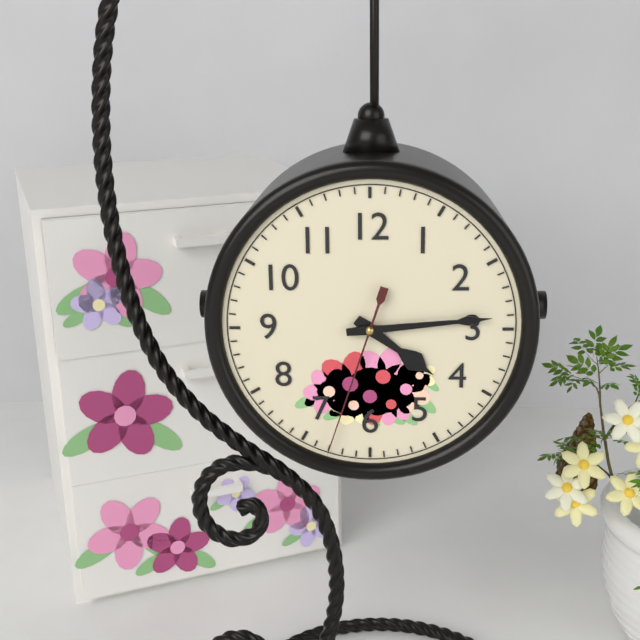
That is h=4 m=14 s=33
